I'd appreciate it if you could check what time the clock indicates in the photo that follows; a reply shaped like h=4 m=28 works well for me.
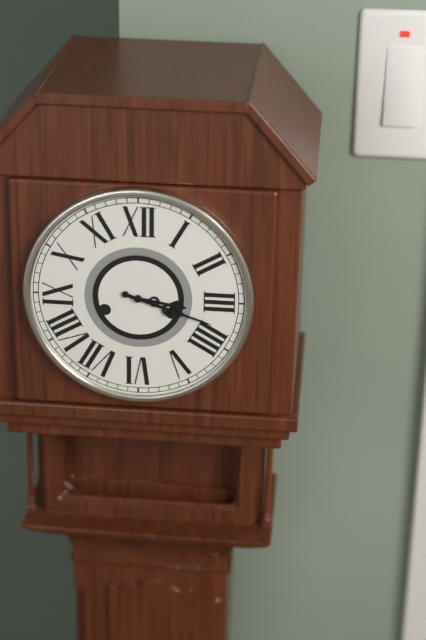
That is h=3 m=18
